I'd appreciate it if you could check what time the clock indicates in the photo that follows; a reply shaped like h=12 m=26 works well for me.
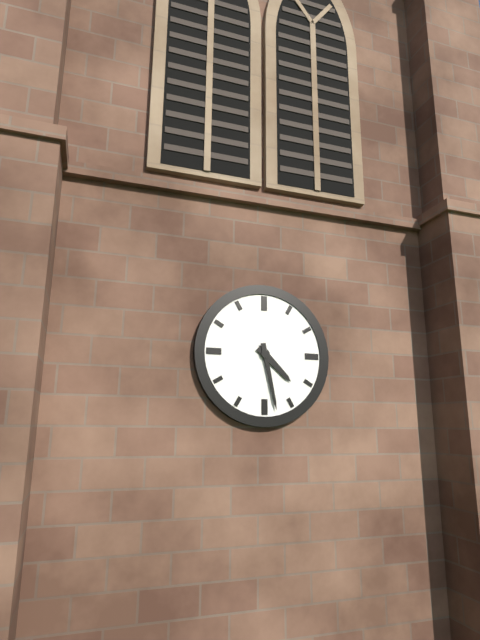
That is h=4 m=28
